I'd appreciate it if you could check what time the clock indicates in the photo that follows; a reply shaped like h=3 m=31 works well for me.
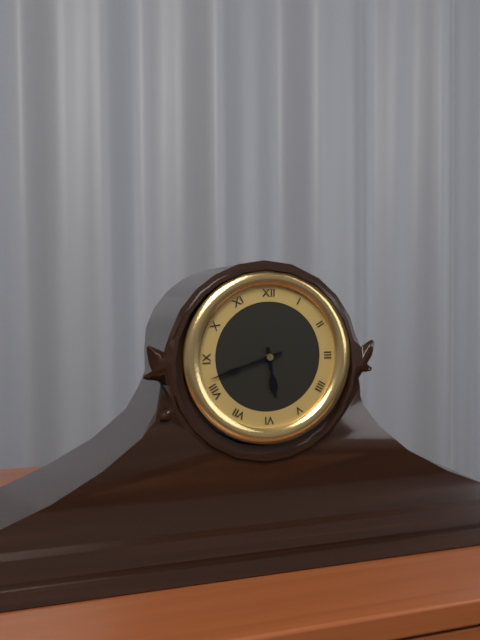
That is h=5 m=42
